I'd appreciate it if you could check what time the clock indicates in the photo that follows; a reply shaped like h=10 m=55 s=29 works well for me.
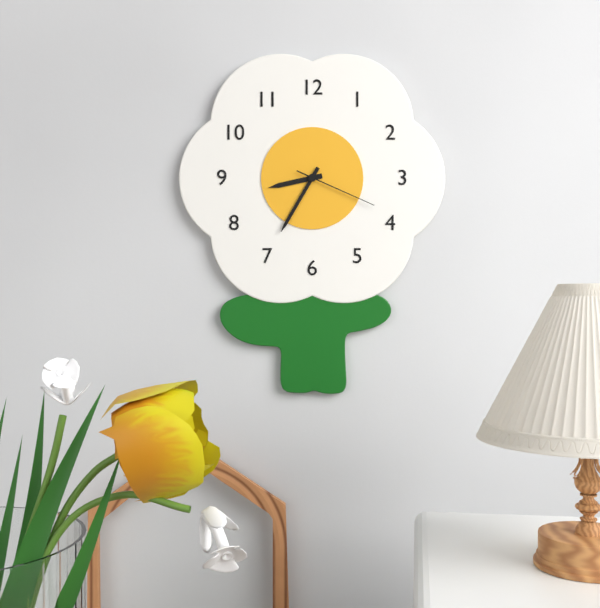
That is h=8 m=35 s=19
